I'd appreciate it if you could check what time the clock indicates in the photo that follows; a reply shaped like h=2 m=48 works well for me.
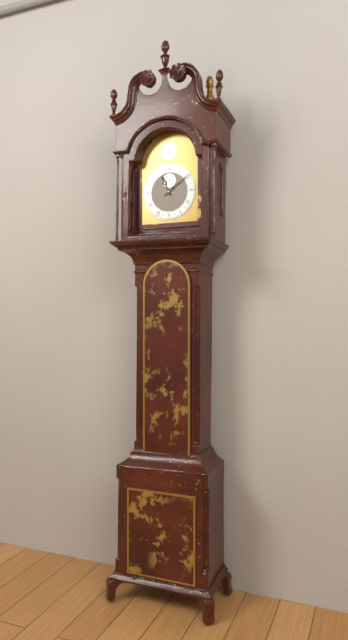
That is h=11 m=9
